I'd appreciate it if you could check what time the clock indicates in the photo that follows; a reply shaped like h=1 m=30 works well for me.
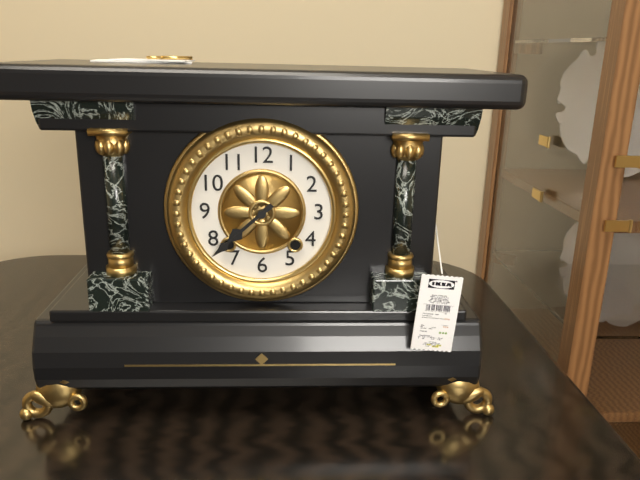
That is h=7 m=38
